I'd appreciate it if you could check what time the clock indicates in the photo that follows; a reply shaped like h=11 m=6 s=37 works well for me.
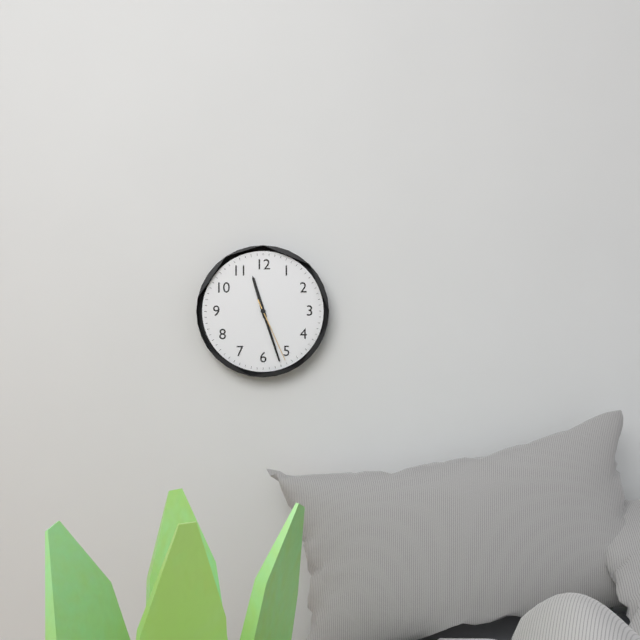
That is h=11 m=27 s=26
